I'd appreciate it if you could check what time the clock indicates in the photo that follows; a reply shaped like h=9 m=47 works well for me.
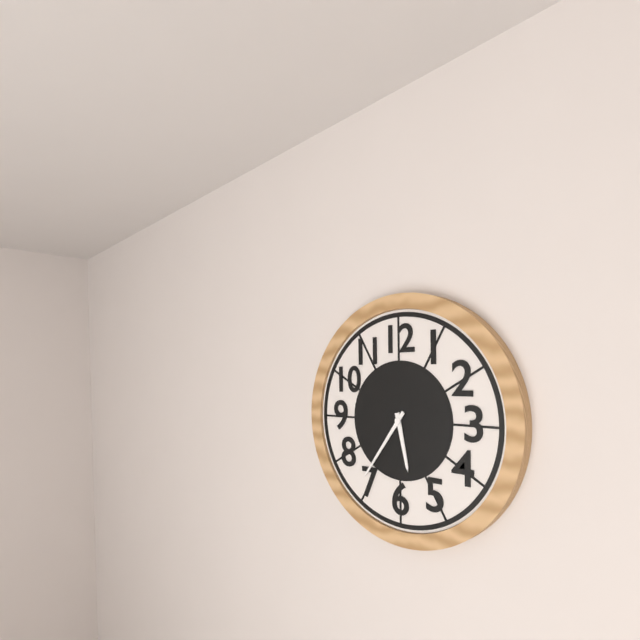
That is h=5 m=36
